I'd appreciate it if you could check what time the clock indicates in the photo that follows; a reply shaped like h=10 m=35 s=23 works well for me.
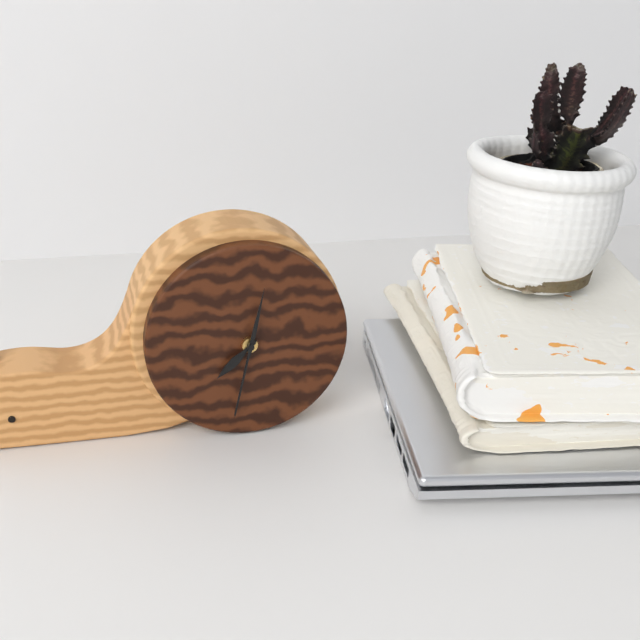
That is h=7 m=32 s=2
